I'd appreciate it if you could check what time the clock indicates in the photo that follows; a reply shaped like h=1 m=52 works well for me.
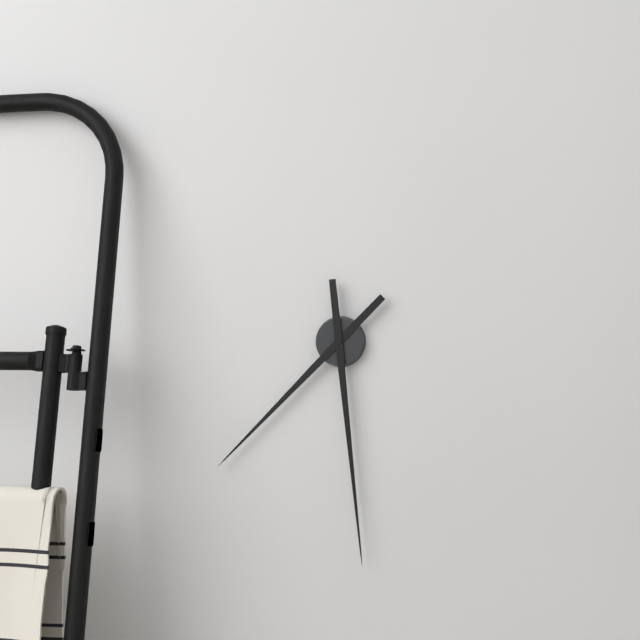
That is h=7 m=29
